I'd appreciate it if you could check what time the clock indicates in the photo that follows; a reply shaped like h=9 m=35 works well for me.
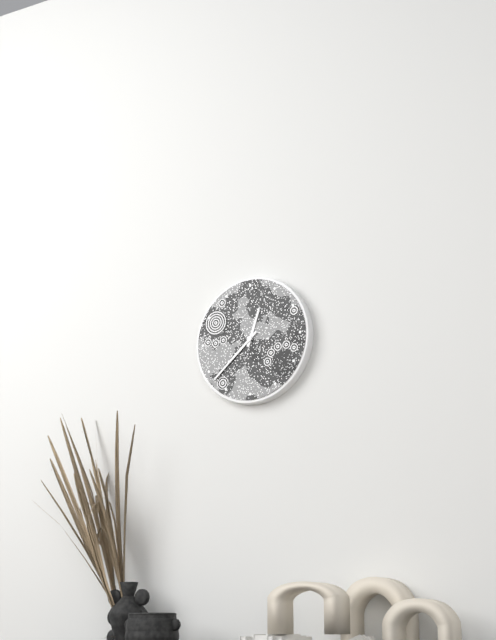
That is h=12 m=38
